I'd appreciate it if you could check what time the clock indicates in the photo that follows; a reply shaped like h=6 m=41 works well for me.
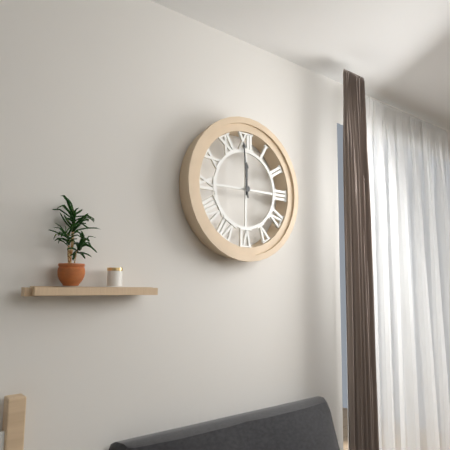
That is h=11 m=59
